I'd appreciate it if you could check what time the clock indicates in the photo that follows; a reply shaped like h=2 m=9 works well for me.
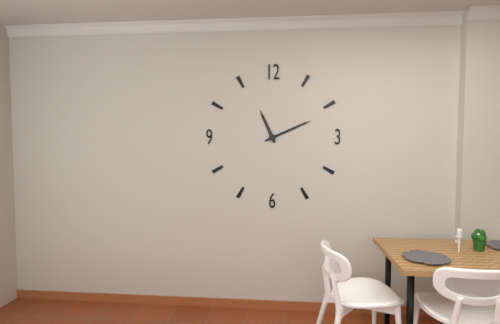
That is h=11 m=11
